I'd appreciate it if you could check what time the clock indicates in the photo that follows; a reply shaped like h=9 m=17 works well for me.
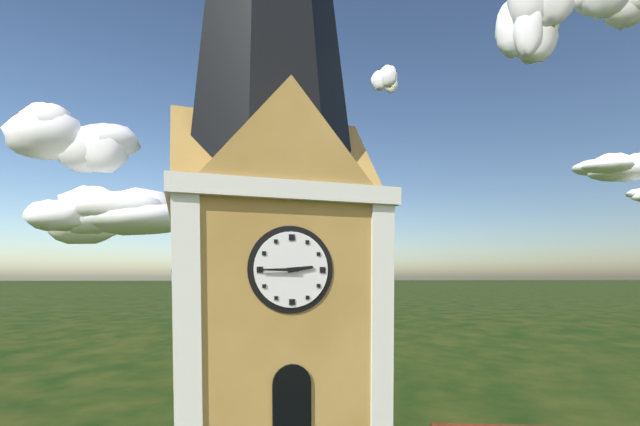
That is h=2 m=45
